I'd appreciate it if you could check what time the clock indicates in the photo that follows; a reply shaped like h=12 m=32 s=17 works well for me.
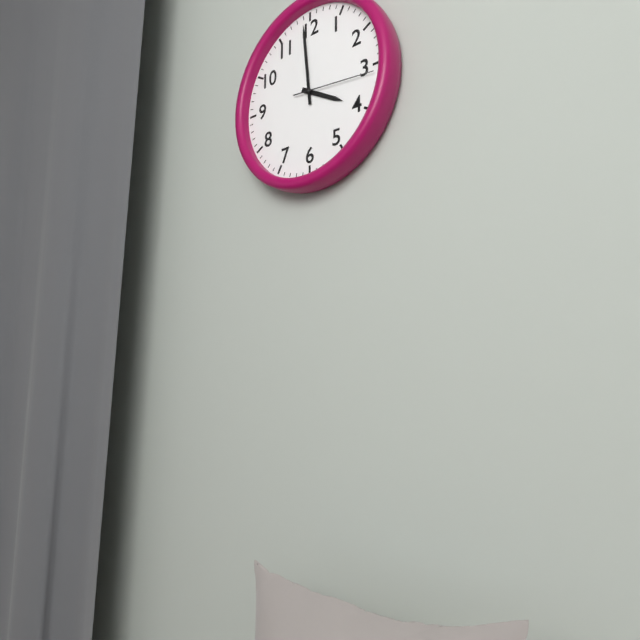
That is h=3 m=59 s=16
